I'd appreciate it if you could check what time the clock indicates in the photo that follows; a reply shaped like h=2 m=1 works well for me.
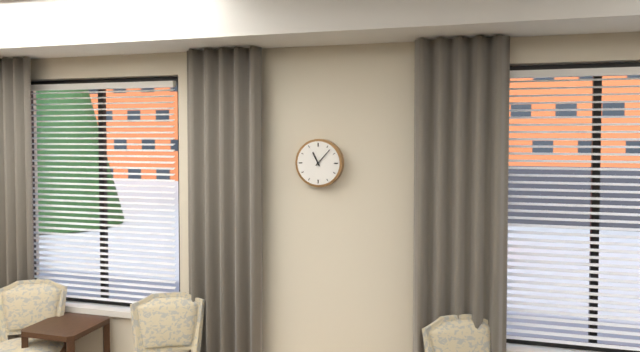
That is h=11 m=7
